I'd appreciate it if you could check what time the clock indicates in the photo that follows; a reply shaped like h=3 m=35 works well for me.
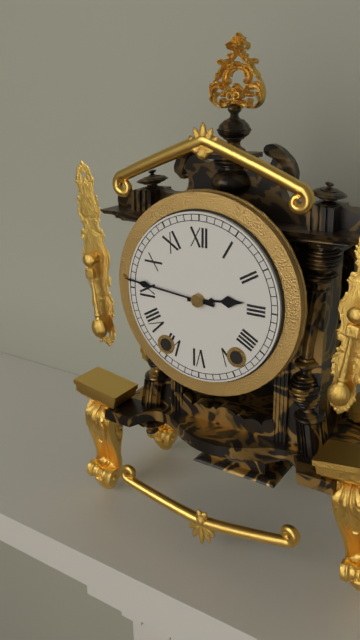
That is h=2 m=46
